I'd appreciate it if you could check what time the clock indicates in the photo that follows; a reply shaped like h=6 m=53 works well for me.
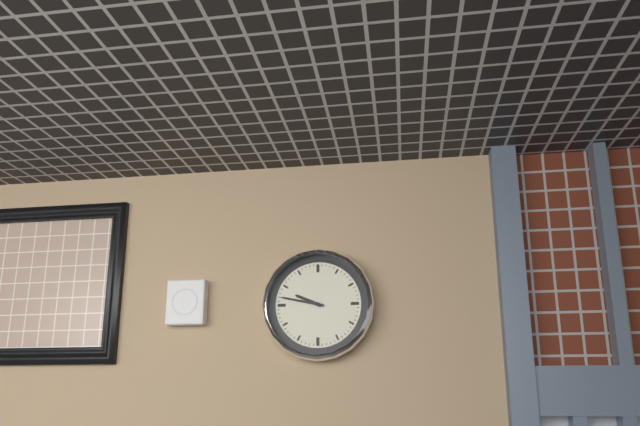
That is h=9 m=47
